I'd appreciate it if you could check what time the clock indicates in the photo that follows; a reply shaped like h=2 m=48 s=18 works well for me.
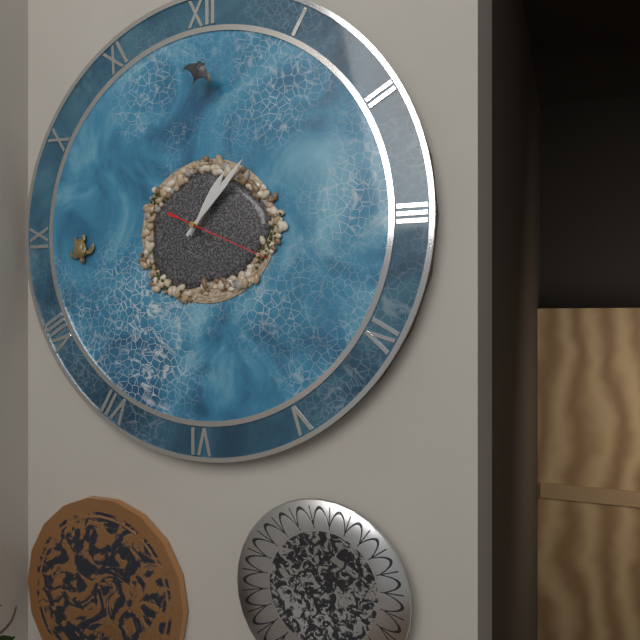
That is h=1 m=7 s=19
